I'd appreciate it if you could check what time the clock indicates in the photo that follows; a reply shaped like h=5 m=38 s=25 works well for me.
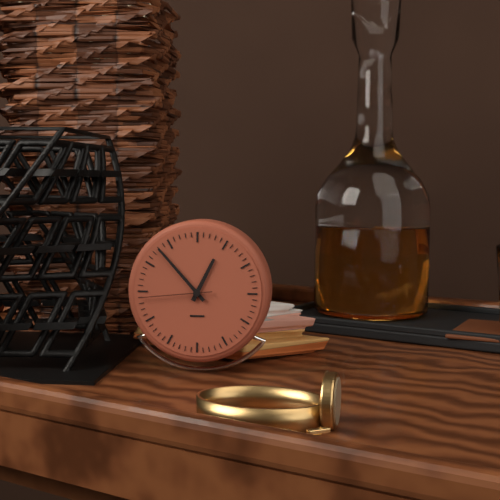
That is h=12 m=53 s=44
